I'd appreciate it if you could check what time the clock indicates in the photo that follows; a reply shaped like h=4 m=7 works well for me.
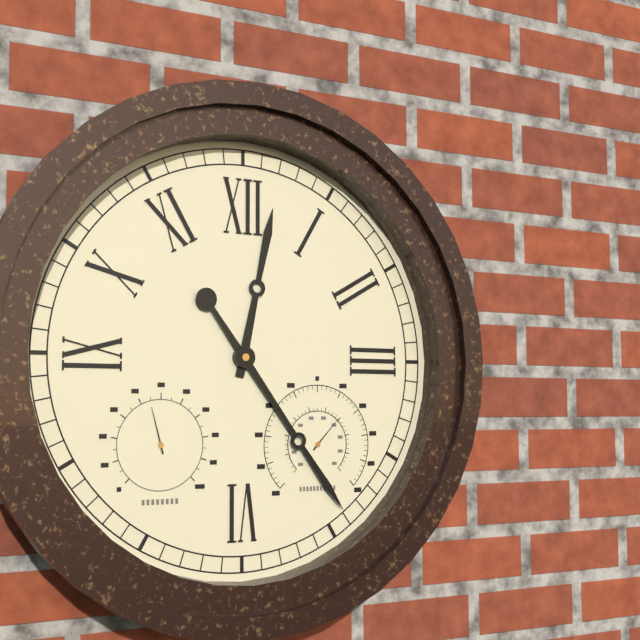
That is h=12 m=24
